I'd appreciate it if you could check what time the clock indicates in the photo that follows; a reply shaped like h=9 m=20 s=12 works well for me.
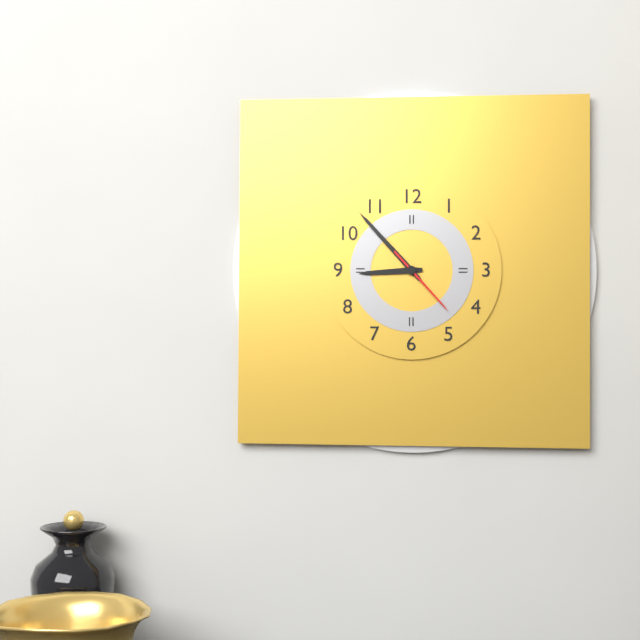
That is h=8 m=53 s=23
